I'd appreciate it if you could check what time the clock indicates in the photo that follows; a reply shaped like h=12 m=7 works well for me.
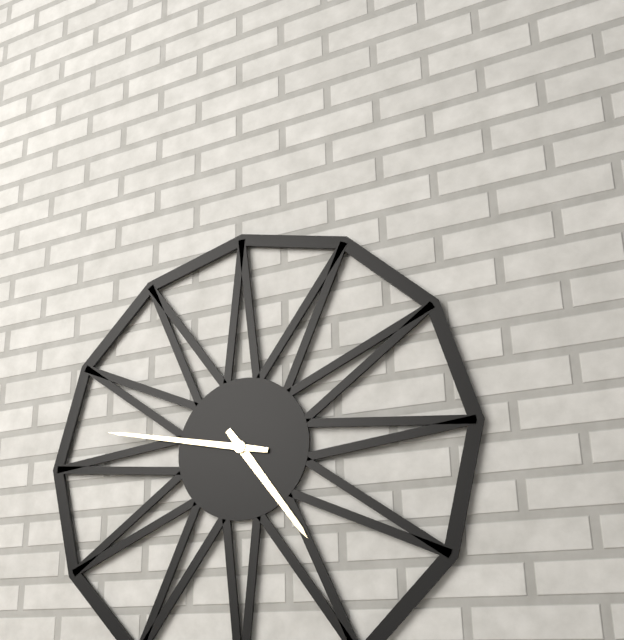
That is h=4 m=47
